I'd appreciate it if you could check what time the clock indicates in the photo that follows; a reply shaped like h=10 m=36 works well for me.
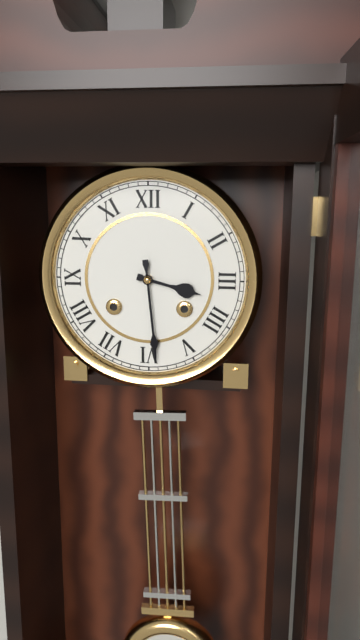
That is h=3 m=29
